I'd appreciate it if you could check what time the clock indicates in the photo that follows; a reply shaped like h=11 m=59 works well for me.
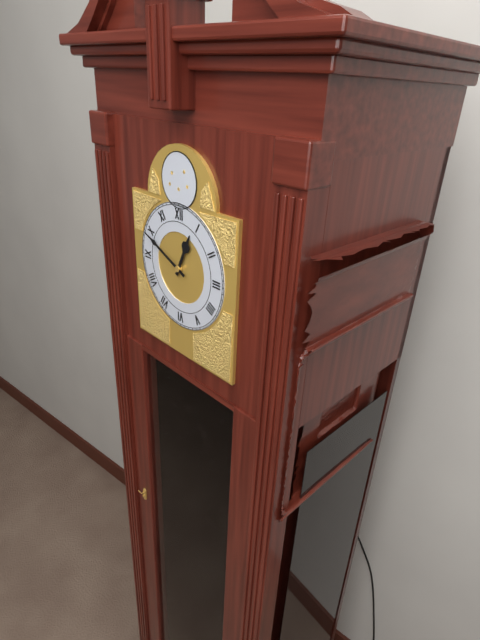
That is h=12 m=49
